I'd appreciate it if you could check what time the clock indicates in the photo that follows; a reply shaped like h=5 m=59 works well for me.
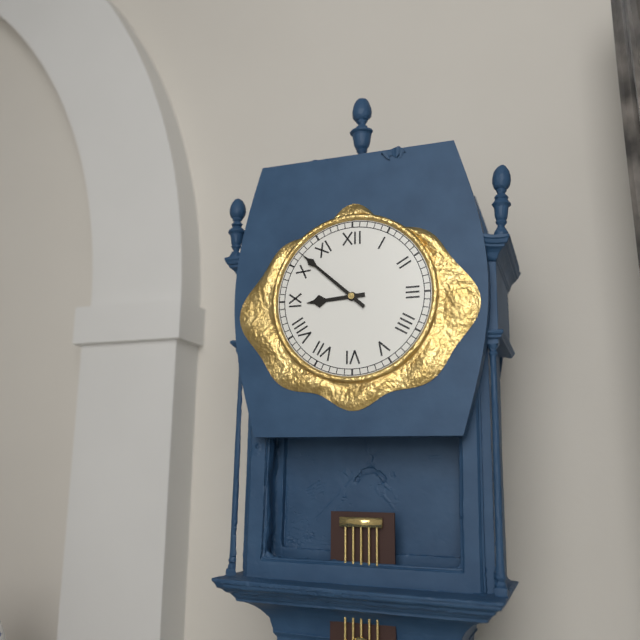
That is h=8 m=52
